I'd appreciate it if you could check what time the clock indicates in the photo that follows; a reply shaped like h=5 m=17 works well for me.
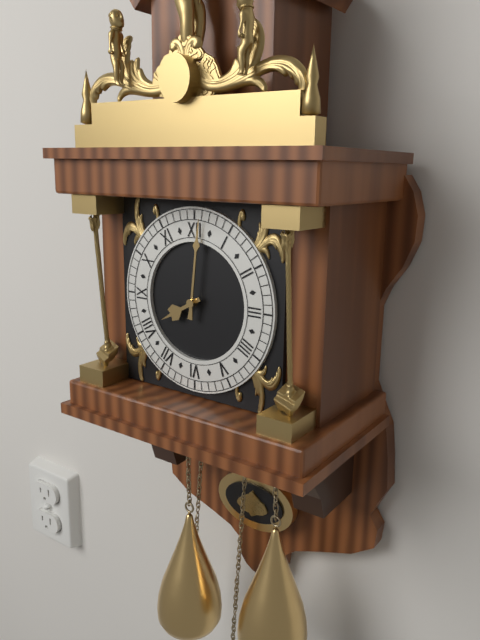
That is h=8 m=1
